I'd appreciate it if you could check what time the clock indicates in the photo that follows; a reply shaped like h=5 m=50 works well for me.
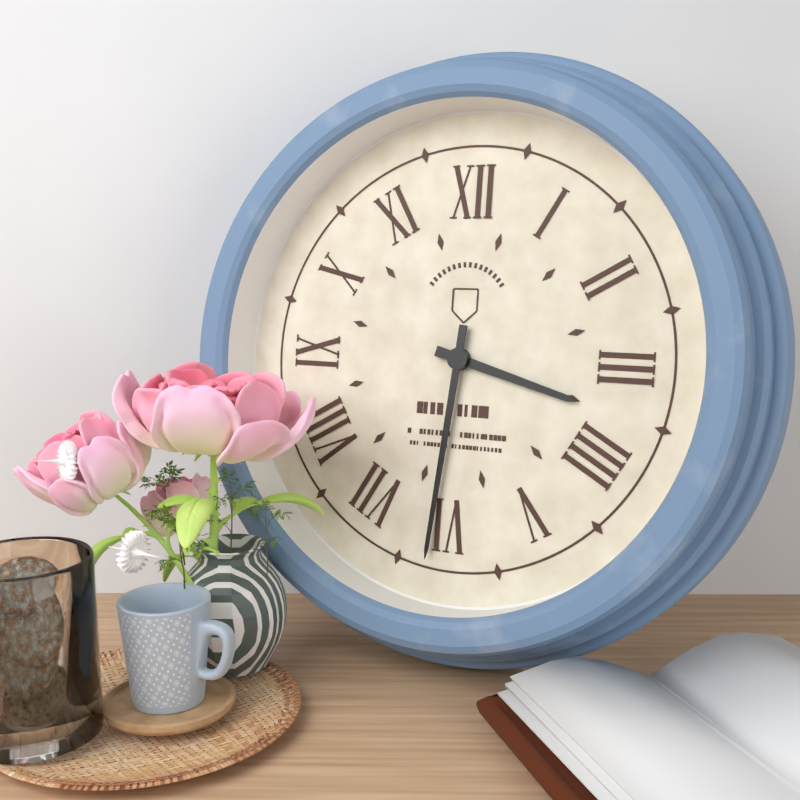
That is h=3 m=31
